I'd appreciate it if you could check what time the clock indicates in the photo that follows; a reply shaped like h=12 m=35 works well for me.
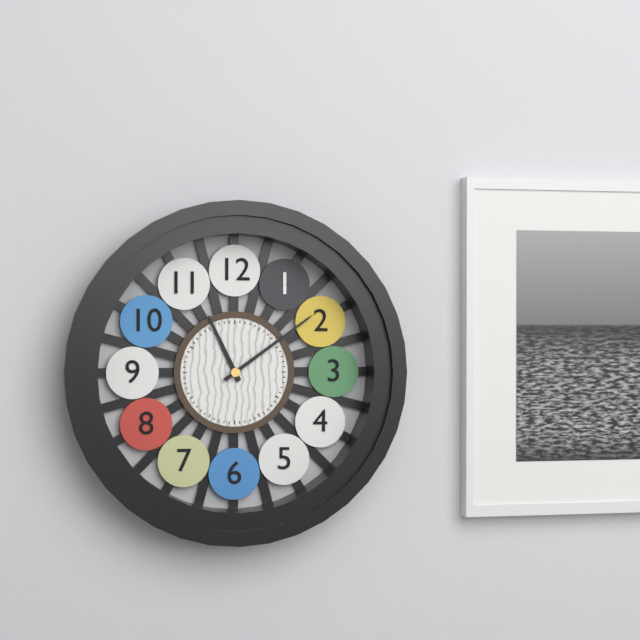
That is h=11 m=9
